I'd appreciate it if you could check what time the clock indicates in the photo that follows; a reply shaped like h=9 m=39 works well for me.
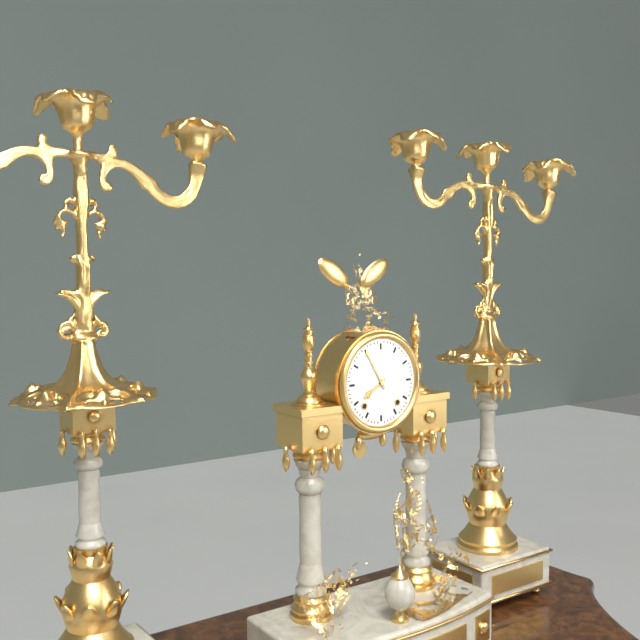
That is h=7 m=55
